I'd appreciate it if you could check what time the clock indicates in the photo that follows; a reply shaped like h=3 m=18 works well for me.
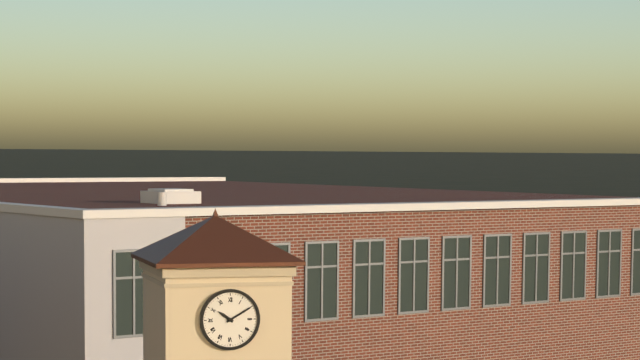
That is h=10 m=10
